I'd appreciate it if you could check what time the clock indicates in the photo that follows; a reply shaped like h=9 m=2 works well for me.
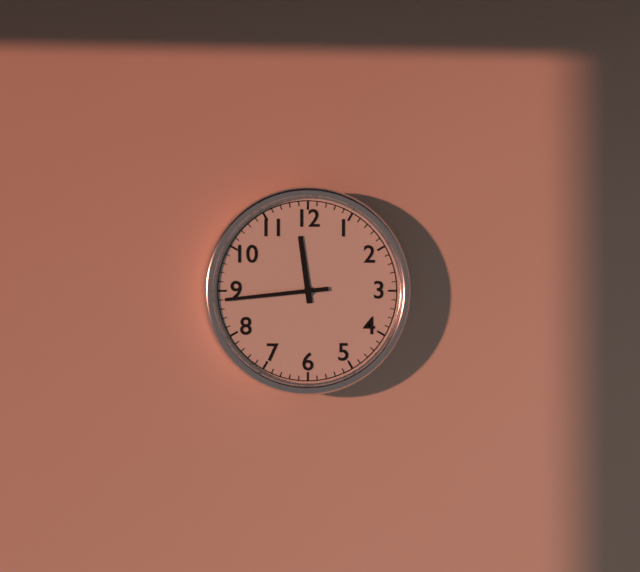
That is h=11 m=44
